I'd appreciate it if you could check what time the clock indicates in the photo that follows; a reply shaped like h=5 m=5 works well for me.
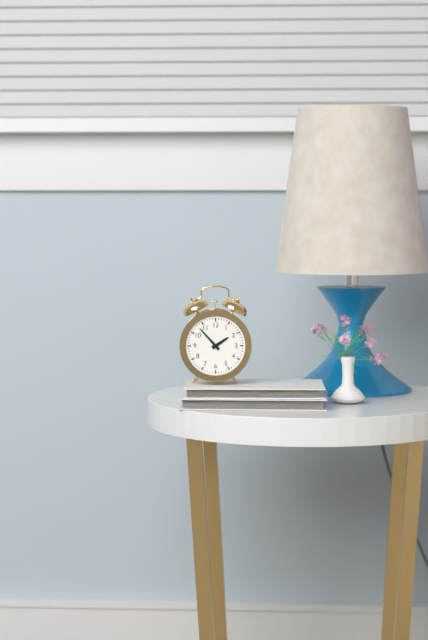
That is h=1 m=53
